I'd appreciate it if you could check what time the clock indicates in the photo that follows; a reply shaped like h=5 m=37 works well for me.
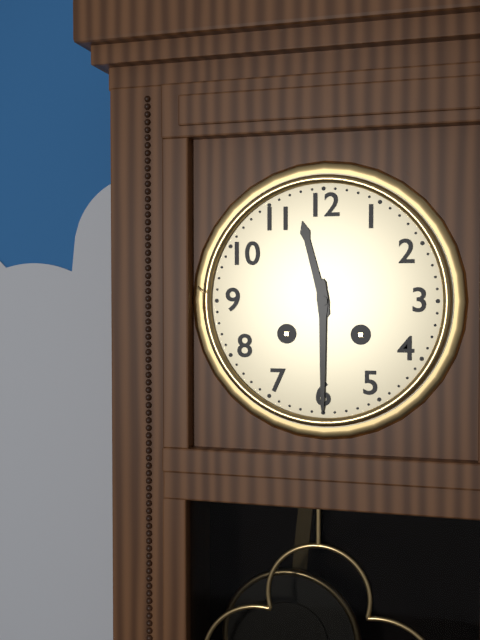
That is h=11 m=30
